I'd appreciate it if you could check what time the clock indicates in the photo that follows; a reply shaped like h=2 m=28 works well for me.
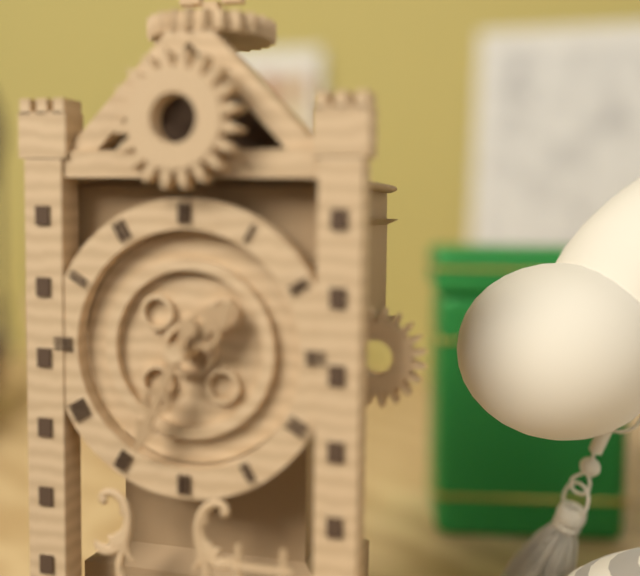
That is h=1 m=34
